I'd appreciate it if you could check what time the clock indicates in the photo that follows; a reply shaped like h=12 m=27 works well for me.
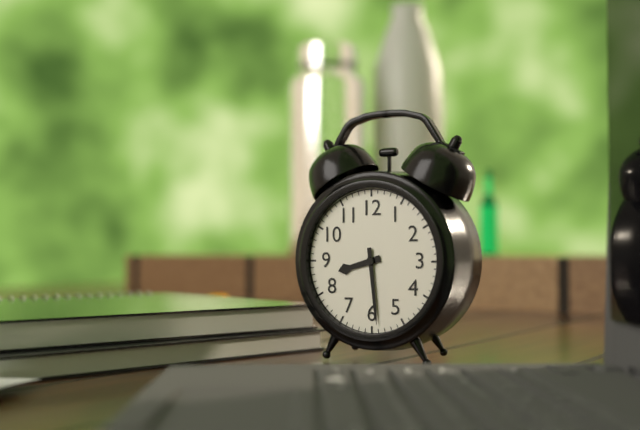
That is h=8 m=29
